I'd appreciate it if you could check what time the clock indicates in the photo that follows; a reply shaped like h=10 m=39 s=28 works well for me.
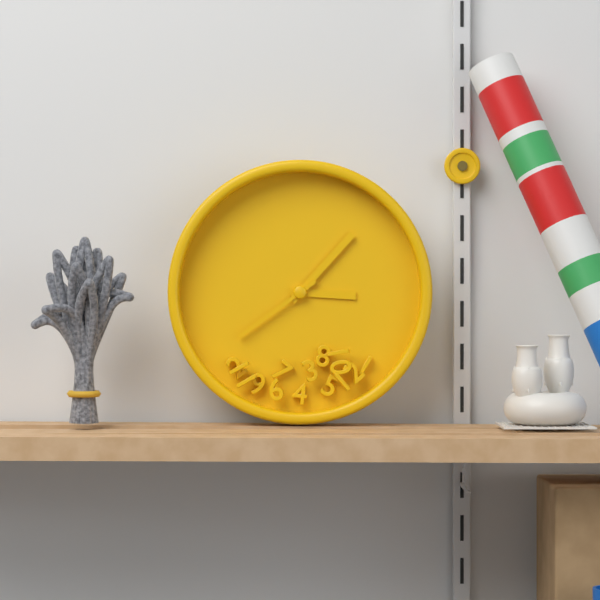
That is h=3 m=7 s=39
